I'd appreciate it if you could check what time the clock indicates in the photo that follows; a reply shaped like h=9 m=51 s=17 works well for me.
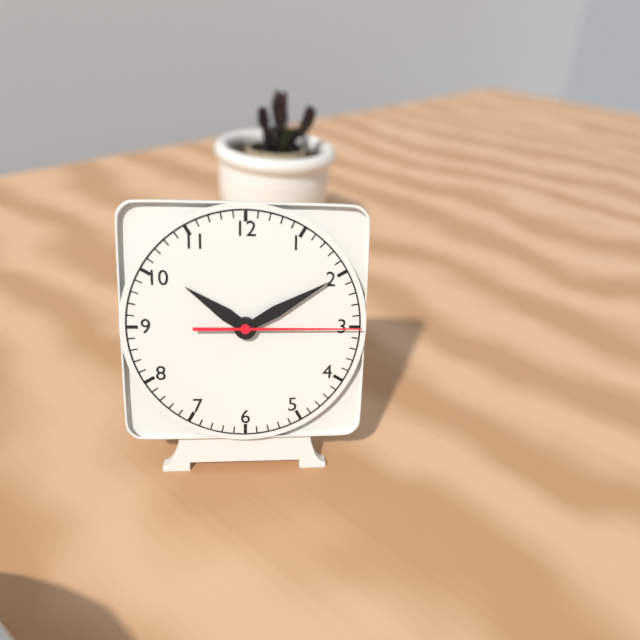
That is h=10 m=10 s=15
